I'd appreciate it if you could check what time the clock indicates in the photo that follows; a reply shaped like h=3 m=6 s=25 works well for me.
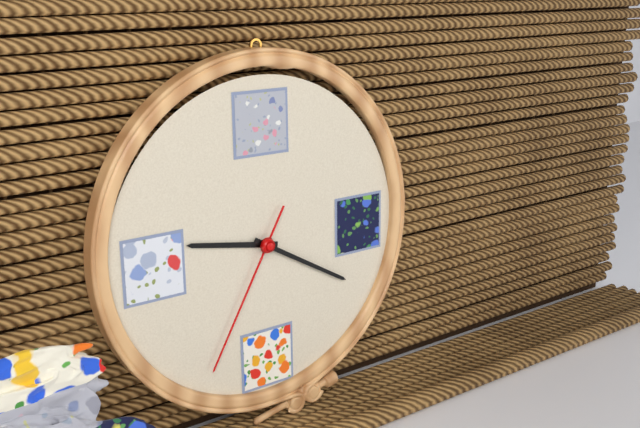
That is h=9 m=20 s=35
